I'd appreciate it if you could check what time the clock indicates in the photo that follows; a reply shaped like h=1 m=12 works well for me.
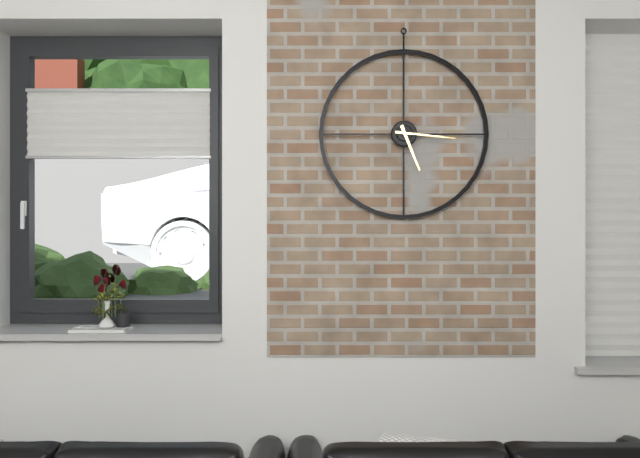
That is h=5 m=16
